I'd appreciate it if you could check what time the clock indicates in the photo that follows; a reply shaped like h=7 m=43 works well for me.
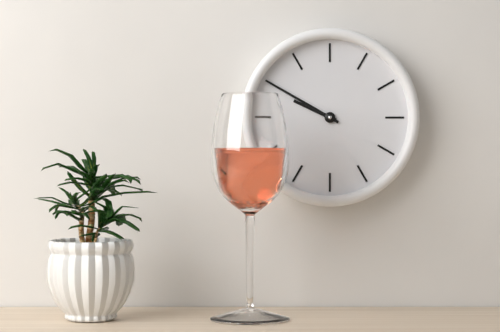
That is h=9 m=50
